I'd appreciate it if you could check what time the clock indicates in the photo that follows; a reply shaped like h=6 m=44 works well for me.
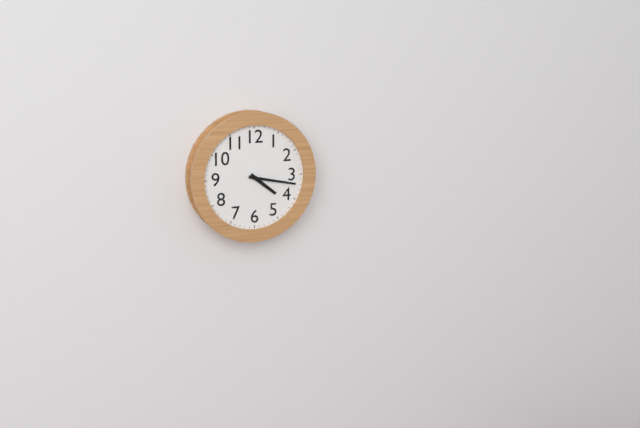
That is h=4 m=17
